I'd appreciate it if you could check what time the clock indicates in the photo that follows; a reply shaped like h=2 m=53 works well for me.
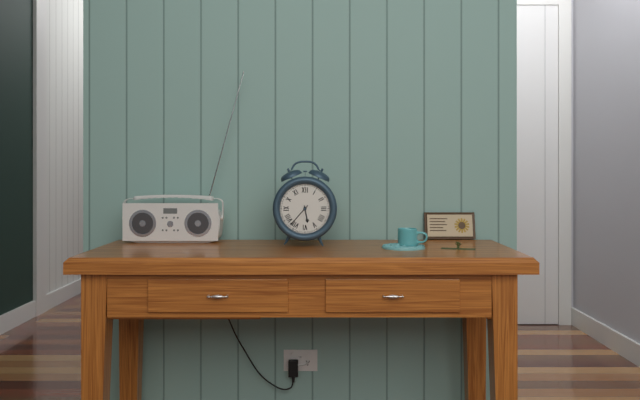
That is h=5 m=37
